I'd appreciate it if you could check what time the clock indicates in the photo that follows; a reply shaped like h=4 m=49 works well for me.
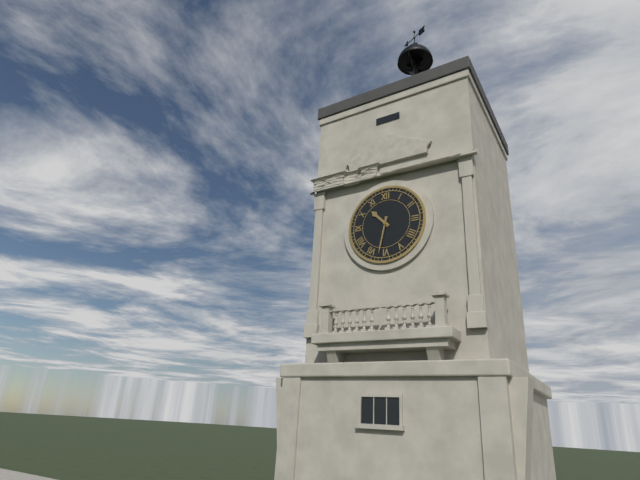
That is h=10 m=32
